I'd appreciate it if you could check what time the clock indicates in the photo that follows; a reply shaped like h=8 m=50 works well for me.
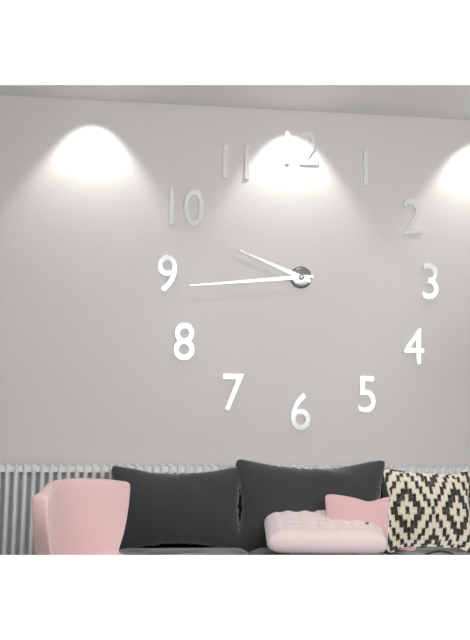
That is h=9 m=44
